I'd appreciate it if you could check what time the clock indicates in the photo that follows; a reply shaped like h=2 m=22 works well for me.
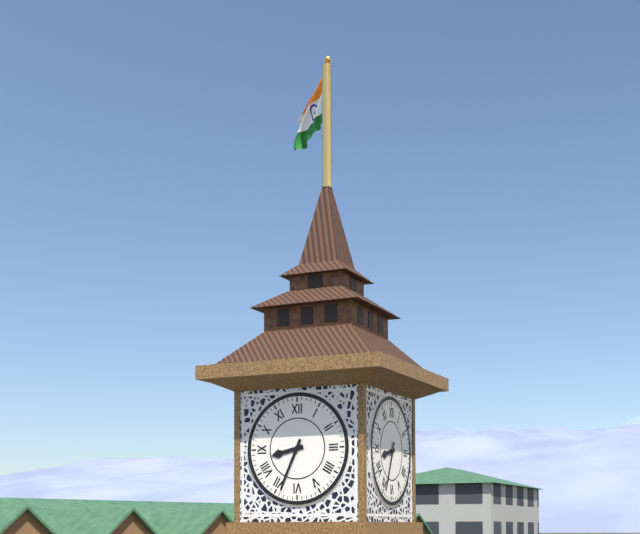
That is h=8 m=34
